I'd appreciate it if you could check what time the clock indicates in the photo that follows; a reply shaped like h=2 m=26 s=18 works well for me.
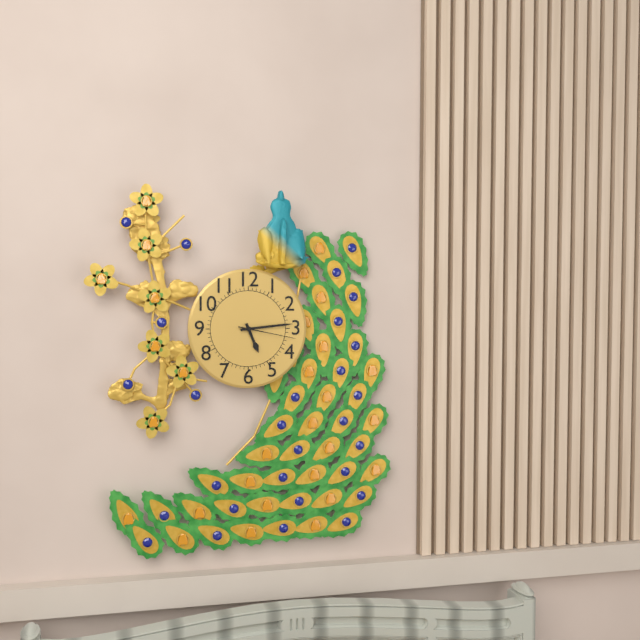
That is h=5 m=14 s=17
